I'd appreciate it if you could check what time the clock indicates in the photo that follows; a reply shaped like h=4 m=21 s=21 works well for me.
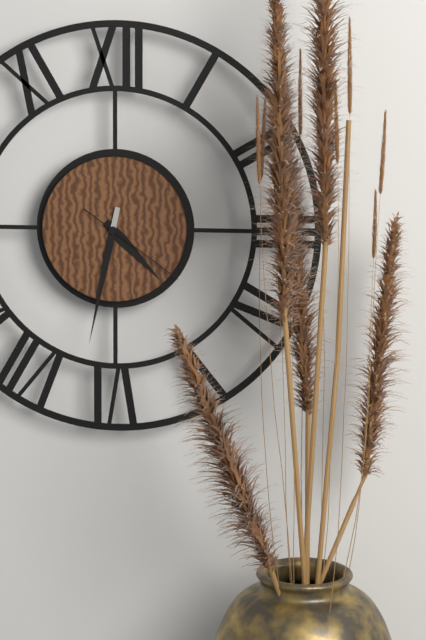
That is h=4 m=32 s=21
